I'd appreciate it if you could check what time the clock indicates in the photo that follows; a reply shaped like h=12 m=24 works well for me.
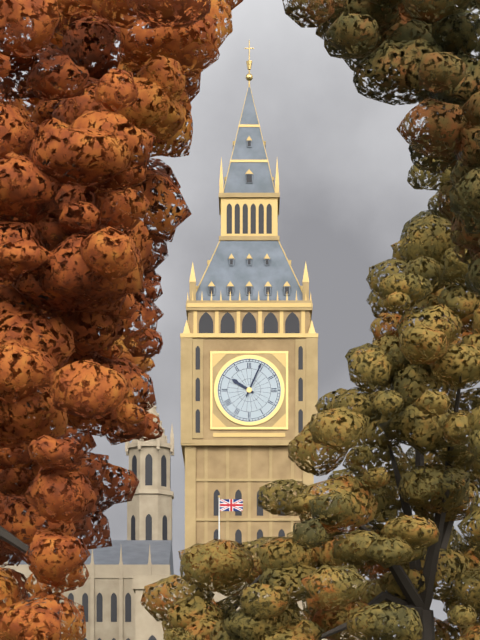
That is h=10 m=4
